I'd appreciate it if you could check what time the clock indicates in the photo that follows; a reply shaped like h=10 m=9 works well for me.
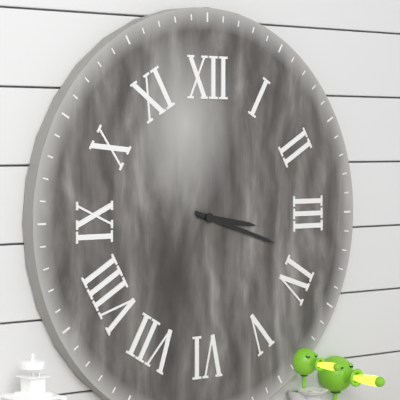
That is h=3 m=18
